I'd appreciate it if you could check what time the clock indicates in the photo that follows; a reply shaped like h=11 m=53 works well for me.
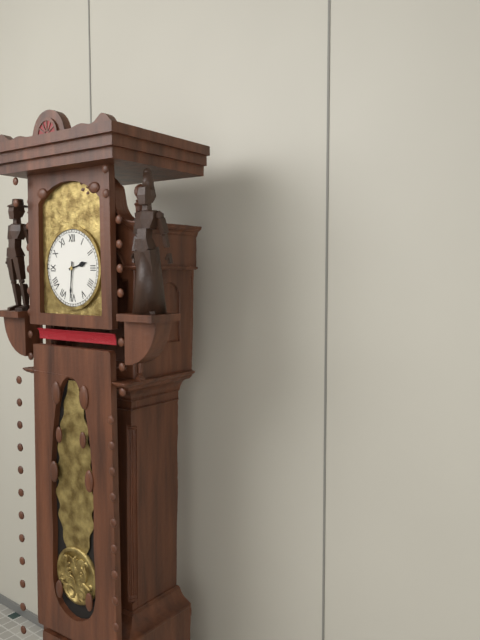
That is h=2 m=31
